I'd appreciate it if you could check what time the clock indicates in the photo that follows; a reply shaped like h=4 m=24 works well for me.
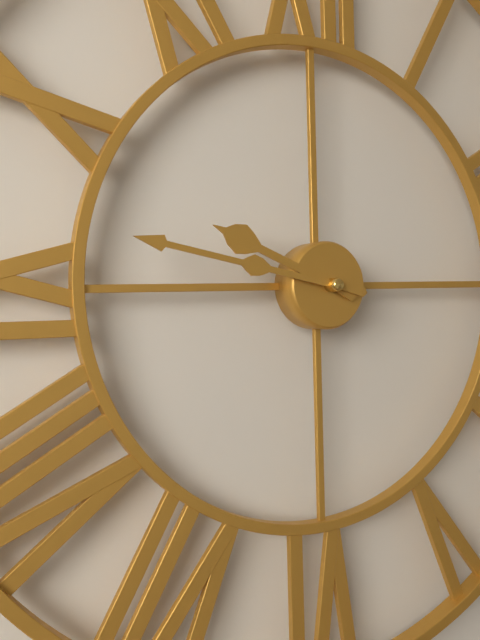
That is h=9 m=47
